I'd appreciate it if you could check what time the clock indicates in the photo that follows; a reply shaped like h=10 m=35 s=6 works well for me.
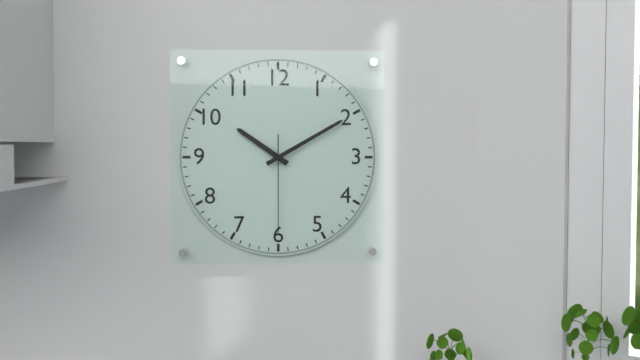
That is h=10 m=10 s=30
